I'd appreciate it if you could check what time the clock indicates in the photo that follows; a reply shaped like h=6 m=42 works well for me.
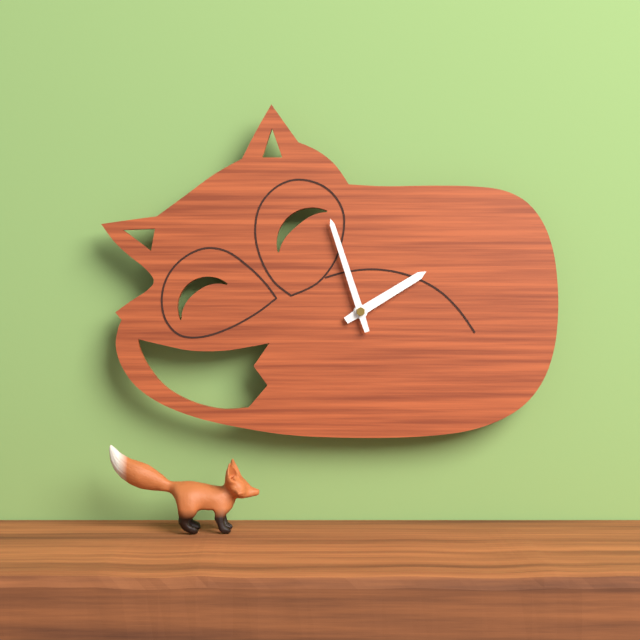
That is h=1 m=57
